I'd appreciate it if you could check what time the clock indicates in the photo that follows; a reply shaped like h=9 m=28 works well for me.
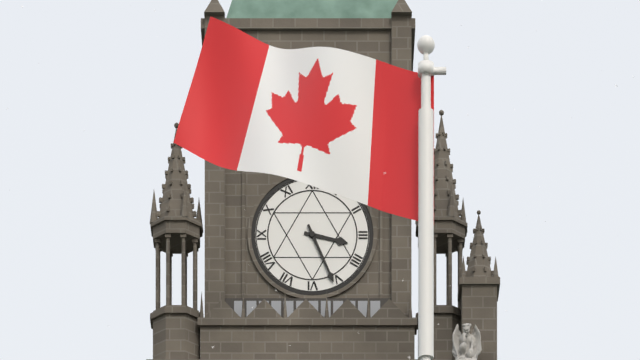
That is h=3 m=26
